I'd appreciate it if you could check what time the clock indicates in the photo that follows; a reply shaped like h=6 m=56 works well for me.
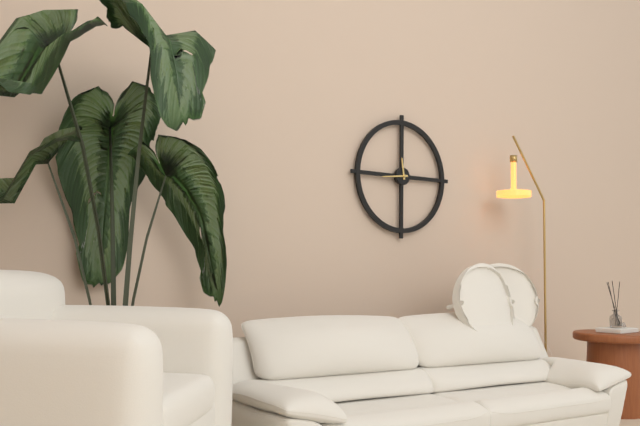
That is h=11 m=44
